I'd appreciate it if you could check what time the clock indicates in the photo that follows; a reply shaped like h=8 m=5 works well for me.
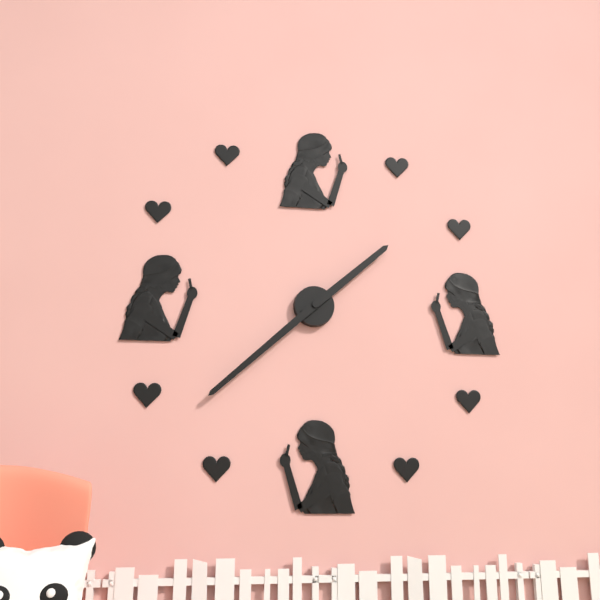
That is h=1 m=38
